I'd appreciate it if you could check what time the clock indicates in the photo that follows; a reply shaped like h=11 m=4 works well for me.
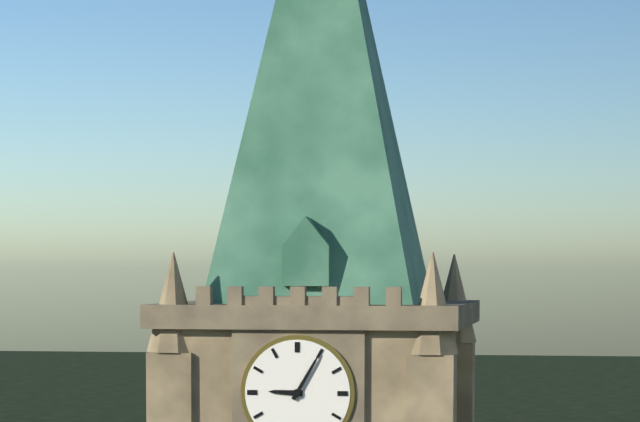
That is h=9 m=5
